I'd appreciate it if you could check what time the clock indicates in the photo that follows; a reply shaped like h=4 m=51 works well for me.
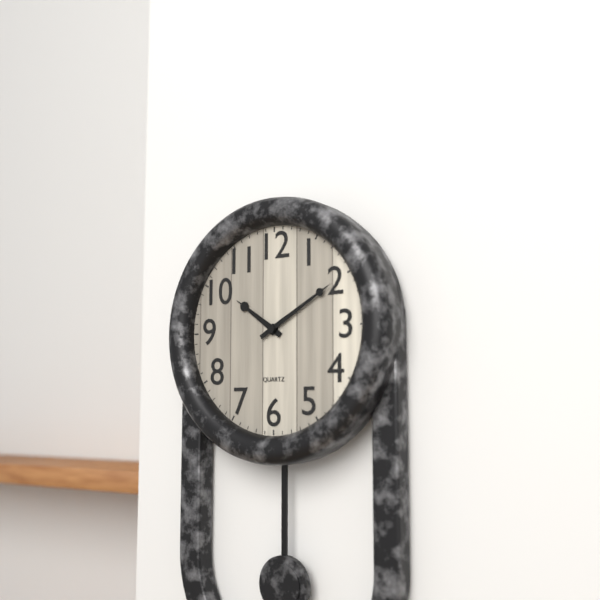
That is h=10 m=10
